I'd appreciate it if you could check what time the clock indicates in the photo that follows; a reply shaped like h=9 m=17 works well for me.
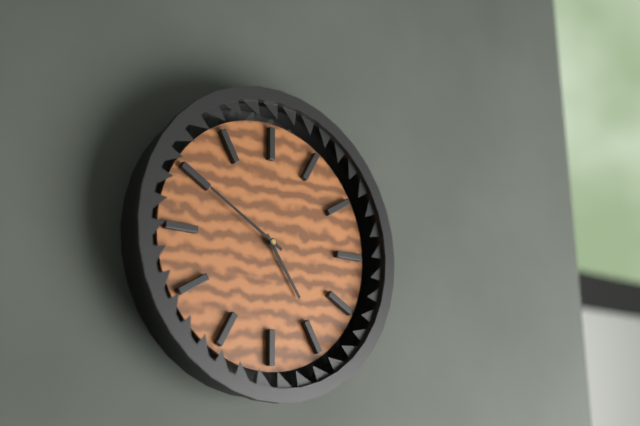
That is h=4 m=50
